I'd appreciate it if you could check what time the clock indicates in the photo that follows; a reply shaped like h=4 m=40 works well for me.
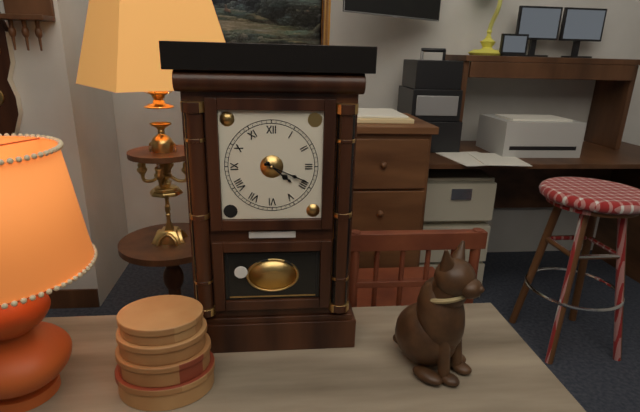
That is h=4 m=19
